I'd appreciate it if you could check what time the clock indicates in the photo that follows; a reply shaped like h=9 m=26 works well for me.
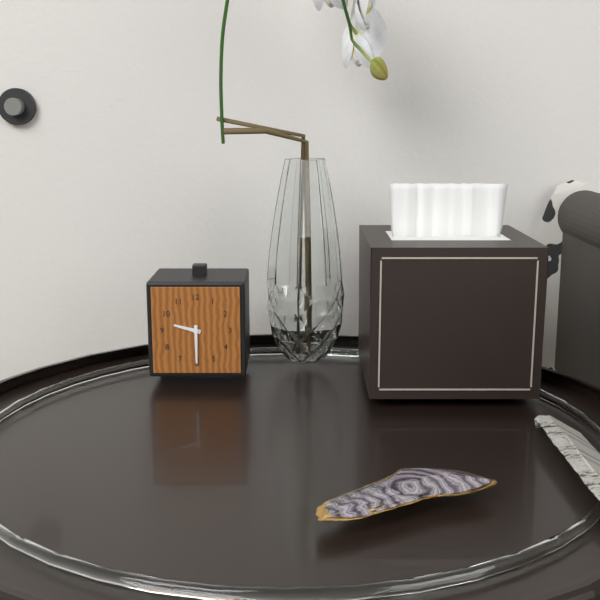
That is h=9 m=30
